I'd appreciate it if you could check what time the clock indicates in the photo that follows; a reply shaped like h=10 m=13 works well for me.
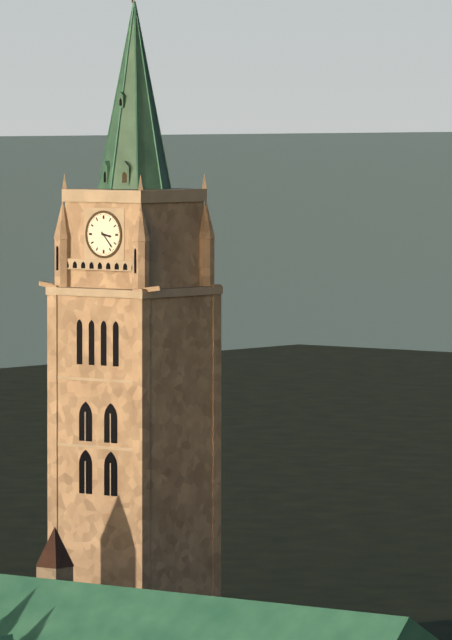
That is h=3 m=23
